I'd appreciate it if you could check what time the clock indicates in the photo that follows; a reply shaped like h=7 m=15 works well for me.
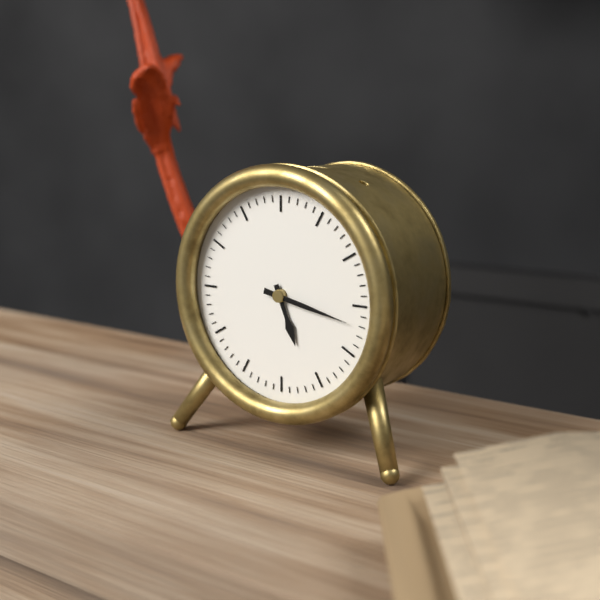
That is h=5 m=17
